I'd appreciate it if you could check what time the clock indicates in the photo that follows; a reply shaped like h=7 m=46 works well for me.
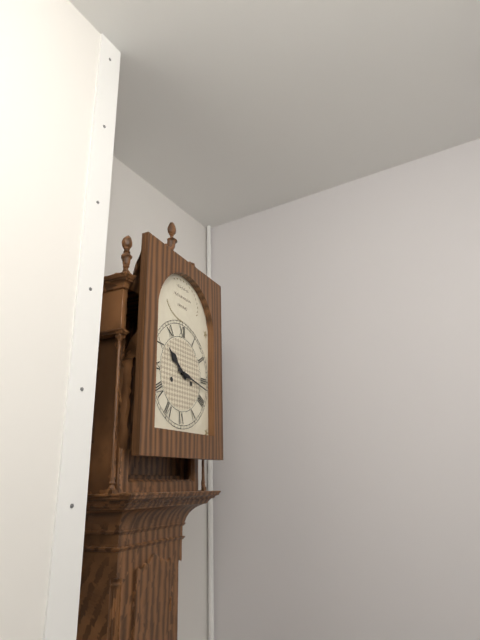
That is h=10 m=17
